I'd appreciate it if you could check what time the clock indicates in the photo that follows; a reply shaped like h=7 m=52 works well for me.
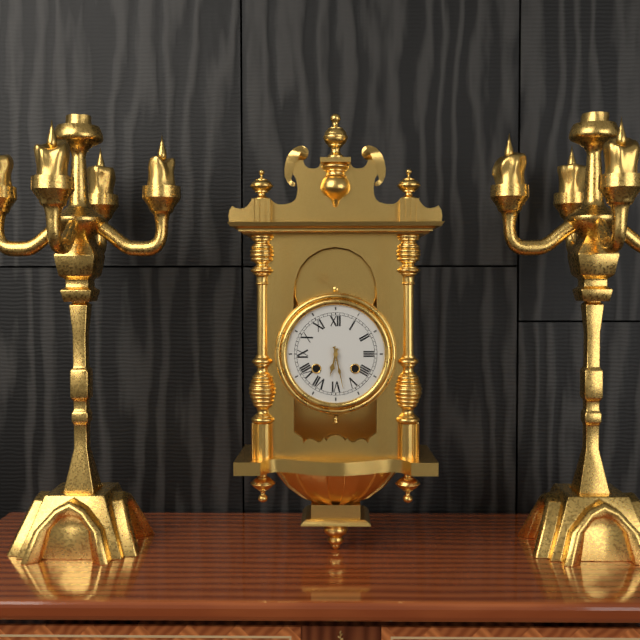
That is h=6 m=28
